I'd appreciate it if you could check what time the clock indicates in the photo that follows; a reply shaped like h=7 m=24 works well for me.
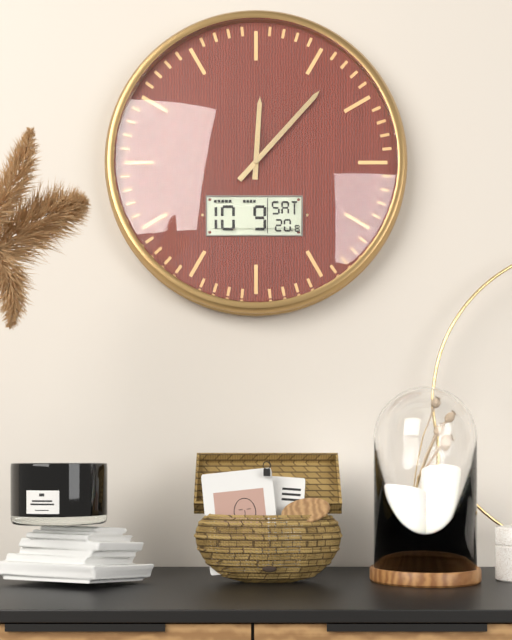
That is h=12 m=7
